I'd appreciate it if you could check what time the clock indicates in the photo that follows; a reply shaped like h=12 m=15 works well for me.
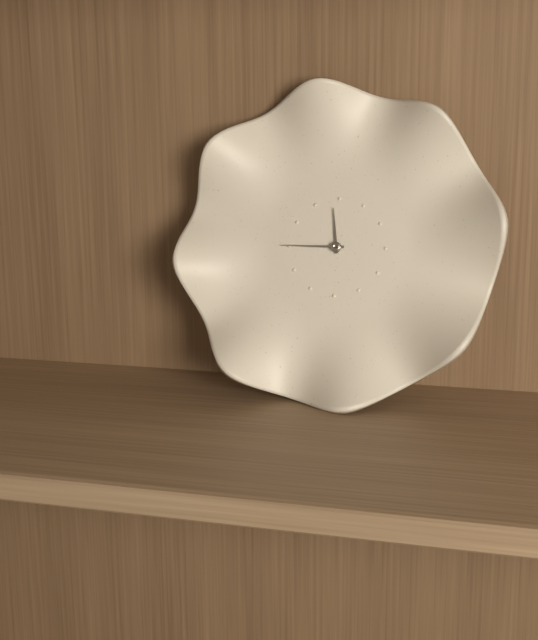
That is h=11 m=45
